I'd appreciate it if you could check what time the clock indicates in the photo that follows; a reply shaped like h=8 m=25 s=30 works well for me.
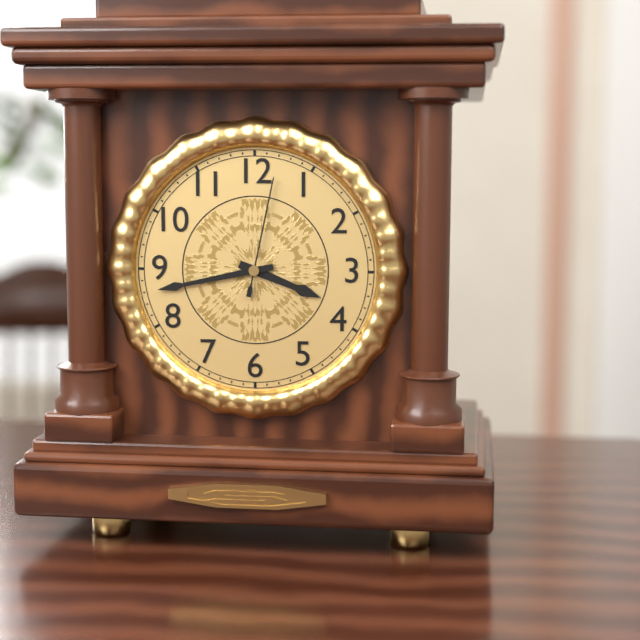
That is h=3 m=43 s=2
